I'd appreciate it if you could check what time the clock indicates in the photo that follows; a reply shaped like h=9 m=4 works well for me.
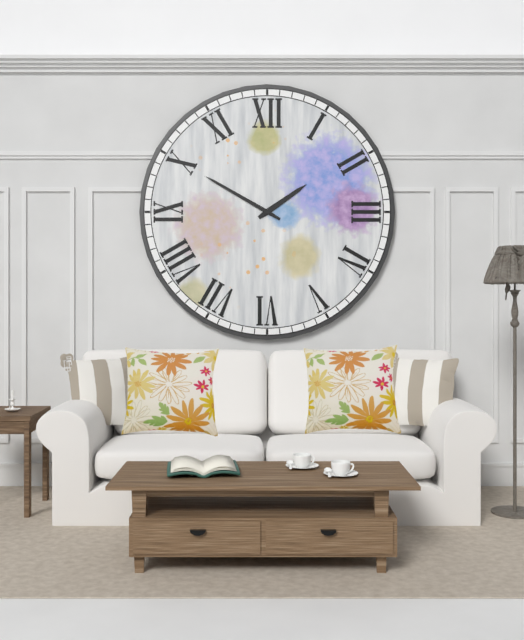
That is h=1 m=50
